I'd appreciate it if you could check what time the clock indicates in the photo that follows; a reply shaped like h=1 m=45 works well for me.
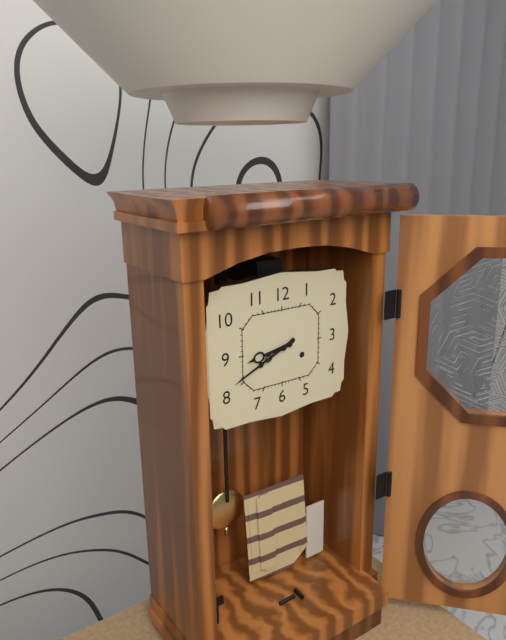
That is h=8 m=41
